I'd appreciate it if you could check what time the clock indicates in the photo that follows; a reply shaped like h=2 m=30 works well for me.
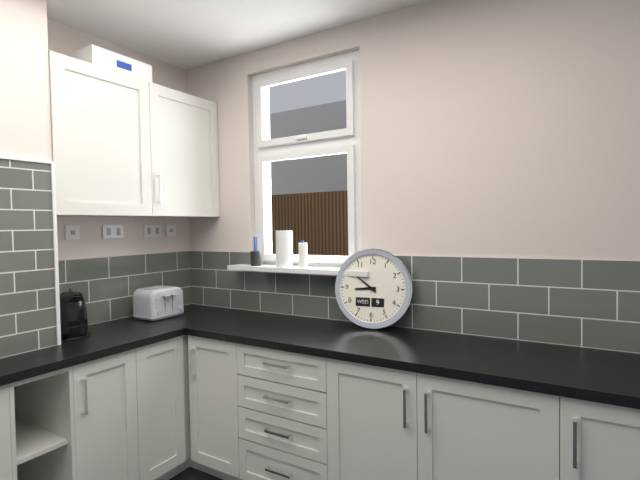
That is h=8 m=51
